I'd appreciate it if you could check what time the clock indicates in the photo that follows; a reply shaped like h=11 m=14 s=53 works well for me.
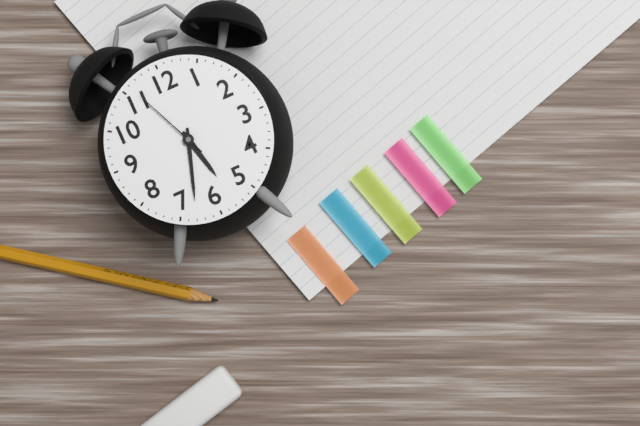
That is h=5 m=33 s=56
